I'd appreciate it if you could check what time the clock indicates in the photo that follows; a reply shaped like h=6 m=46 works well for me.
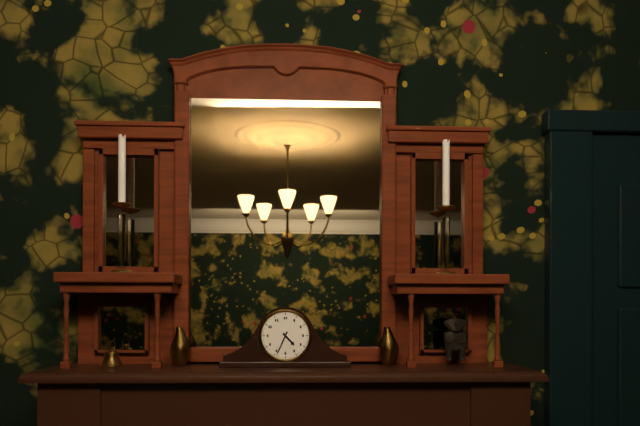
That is h=4 m=34
